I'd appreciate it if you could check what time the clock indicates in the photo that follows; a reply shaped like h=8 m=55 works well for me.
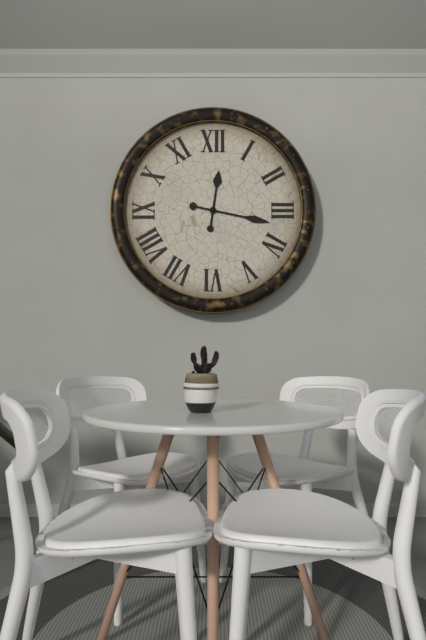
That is h=12 m=17
